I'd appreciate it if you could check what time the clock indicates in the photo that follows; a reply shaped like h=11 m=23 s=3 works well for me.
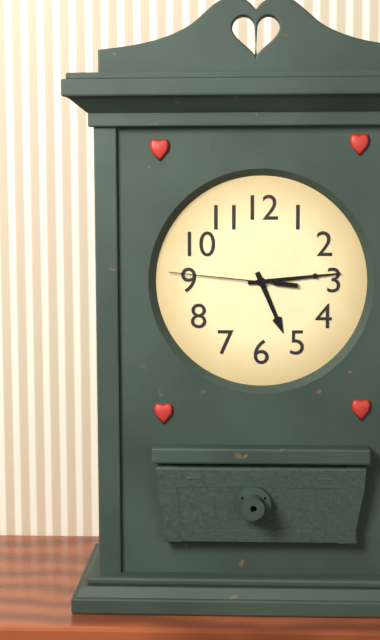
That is h=5 m=14 s=46
